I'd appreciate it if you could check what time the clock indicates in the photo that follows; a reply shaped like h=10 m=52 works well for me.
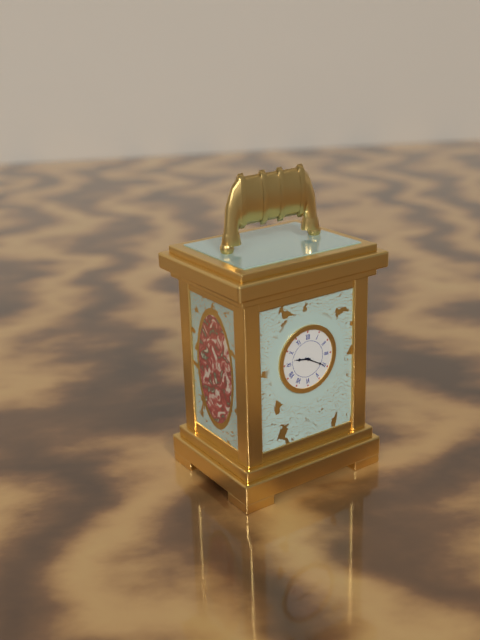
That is h=9 m=20
